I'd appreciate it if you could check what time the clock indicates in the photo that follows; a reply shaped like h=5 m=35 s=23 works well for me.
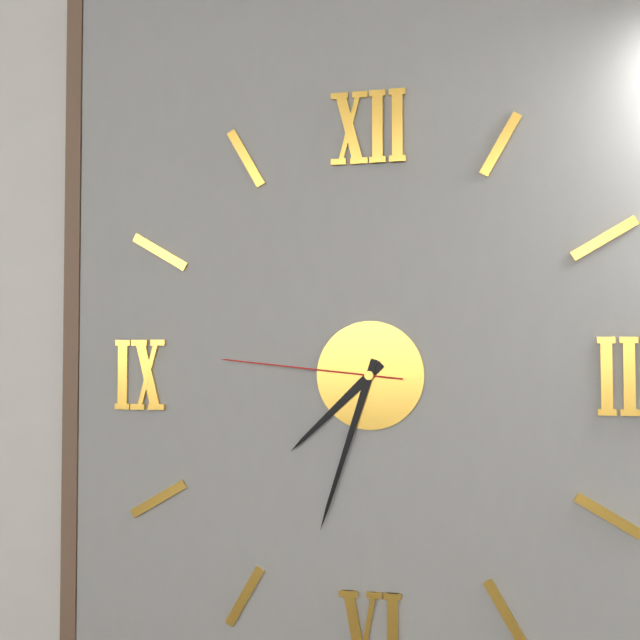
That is h=7 m=33 s=46
